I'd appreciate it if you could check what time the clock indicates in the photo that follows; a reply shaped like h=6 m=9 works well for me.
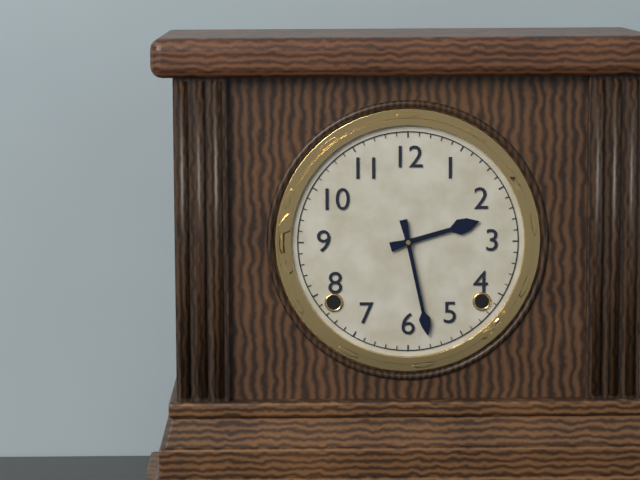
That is h=2 m=28
